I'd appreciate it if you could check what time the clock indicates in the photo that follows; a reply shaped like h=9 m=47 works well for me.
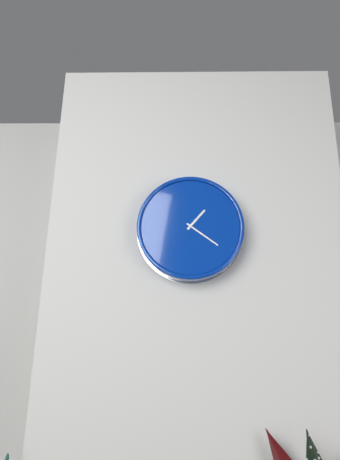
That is h=1 m=21
